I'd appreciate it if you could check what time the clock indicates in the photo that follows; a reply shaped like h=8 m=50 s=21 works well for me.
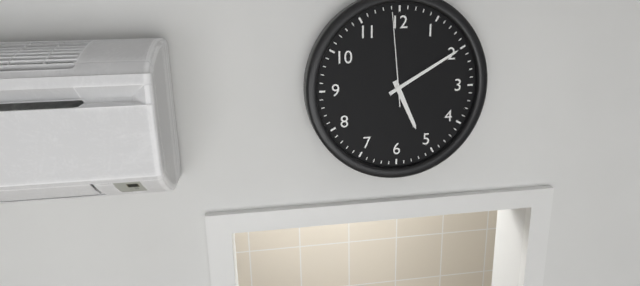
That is h=5 m=10 s=59
